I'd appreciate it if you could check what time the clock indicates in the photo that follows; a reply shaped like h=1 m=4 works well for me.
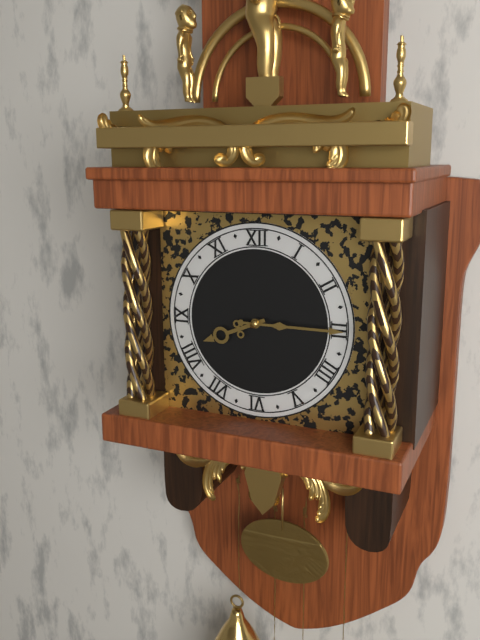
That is h=8 m=15
